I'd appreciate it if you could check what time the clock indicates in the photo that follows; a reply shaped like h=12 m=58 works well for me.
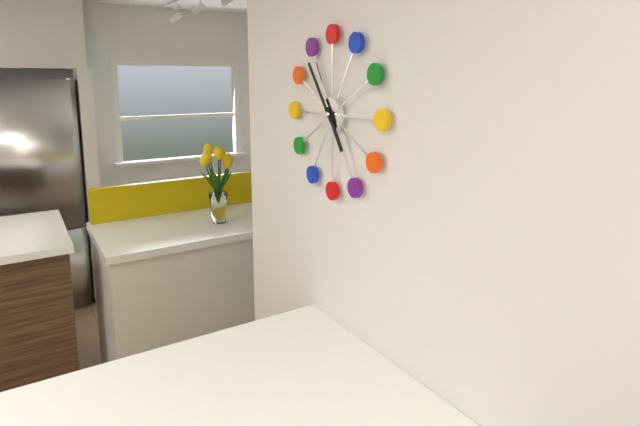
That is h=4 m=54
